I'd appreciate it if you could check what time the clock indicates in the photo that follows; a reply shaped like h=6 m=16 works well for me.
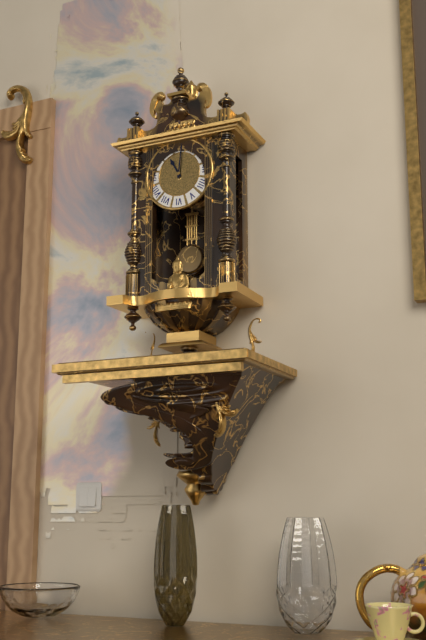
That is h=11 m=1
